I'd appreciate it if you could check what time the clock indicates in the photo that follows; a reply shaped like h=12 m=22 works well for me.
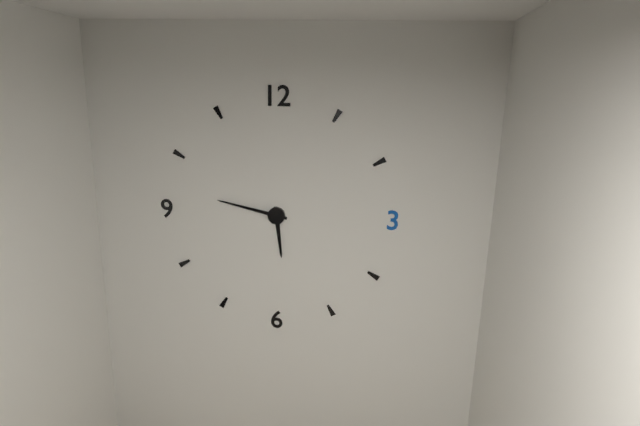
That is h=5 m=47
